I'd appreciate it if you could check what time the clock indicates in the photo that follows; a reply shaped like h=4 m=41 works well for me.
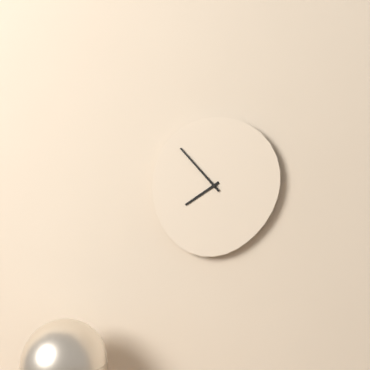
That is h=7 m=53
